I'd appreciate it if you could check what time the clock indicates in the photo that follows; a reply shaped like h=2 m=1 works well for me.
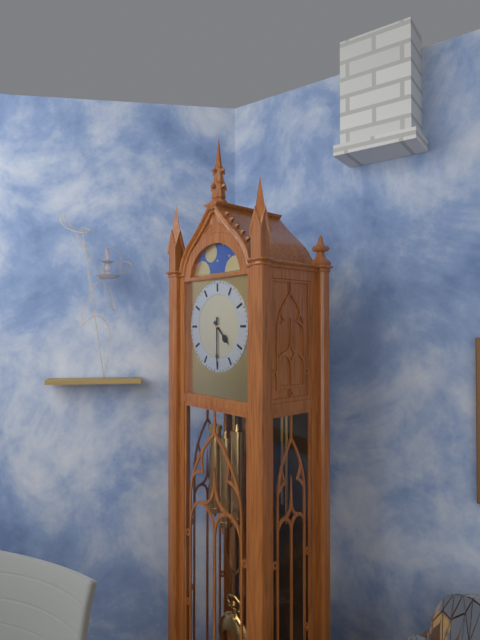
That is h=4 m=30
